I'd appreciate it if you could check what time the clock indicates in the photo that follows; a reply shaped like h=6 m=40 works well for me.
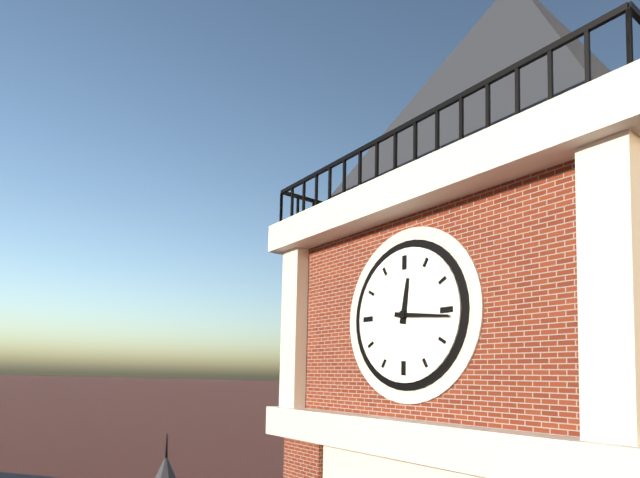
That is h=12 m=16
